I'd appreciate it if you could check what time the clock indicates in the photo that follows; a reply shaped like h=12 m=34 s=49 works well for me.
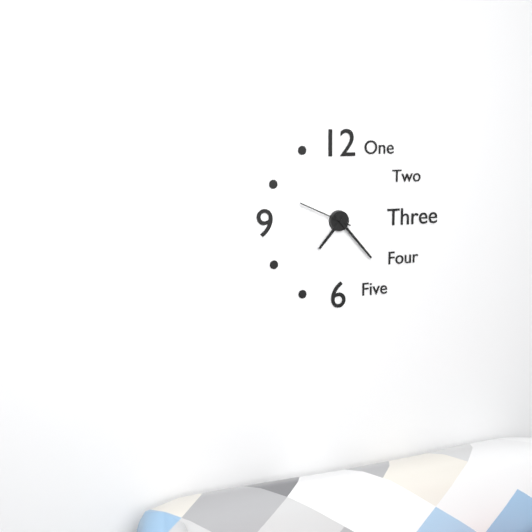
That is h=7 m=23 s=49
